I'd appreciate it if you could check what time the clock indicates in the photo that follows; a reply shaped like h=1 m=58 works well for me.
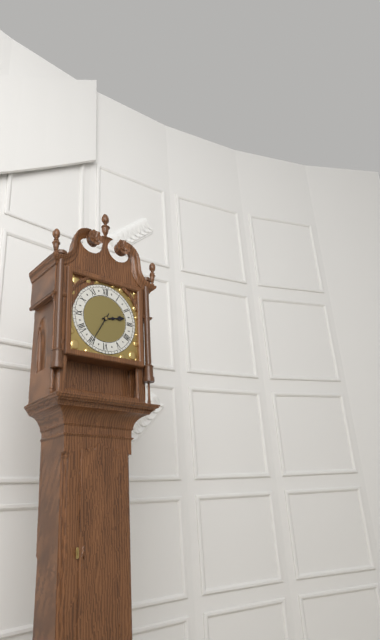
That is h=2 m=35
